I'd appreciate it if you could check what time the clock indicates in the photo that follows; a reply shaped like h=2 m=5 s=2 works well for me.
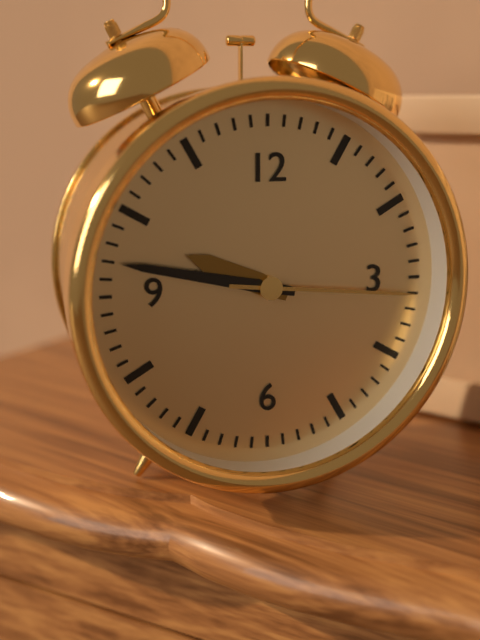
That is h=9 m=47 s=16
